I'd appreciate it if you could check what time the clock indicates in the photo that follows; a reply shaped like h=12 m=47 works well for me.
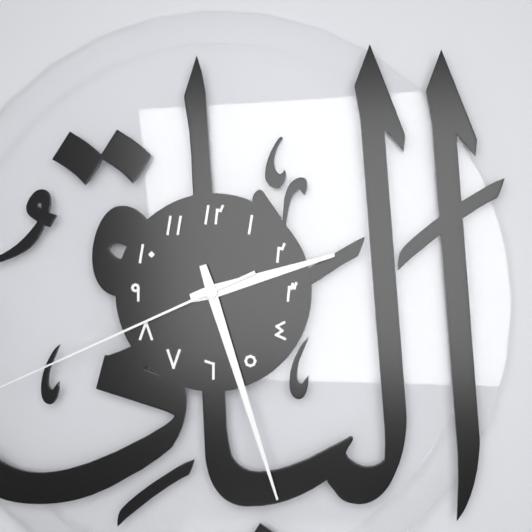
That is h=2 m=27
